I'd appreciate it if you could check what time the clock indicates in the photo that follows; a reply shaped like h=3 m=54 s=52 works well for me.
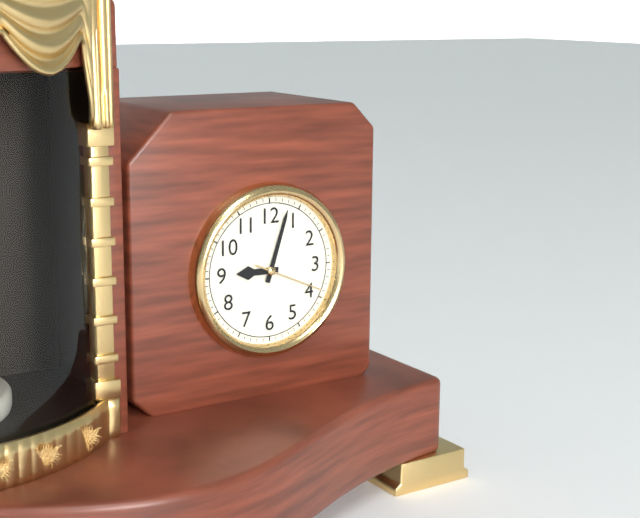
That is h=9 m=3 s=19
